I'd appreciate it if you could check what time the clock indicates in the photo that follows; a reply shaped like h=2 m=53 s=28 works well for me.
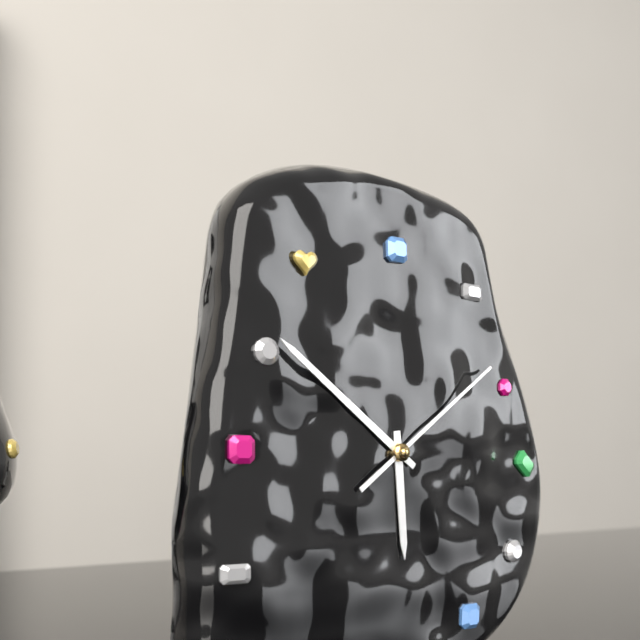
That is h=5 m=51 s=9
